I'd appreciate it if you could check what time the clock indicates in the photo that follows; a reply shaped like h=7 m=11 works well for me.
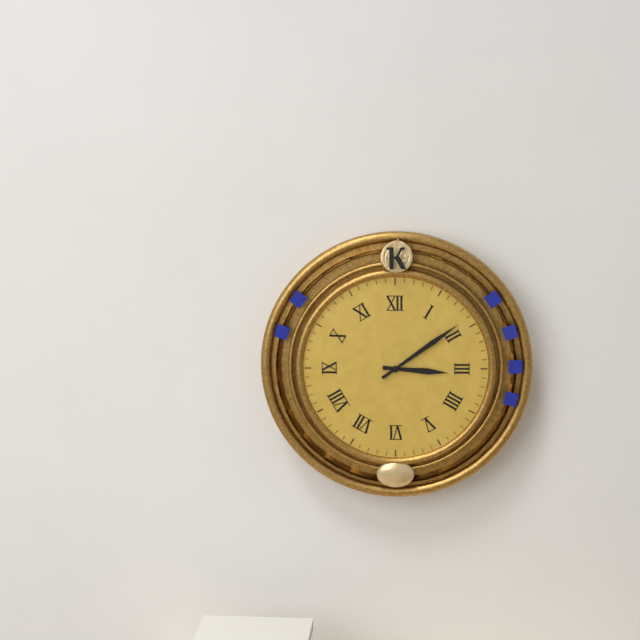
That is h=3 m=9
